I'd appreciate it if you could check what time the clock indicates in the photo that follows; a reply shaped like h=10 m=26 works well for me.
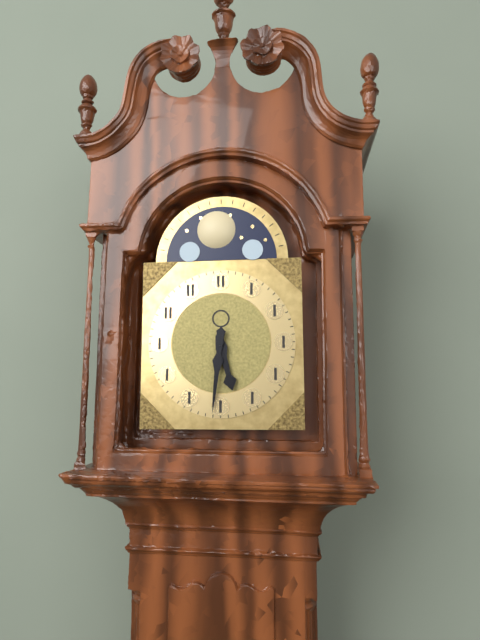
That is h=5 m=31
